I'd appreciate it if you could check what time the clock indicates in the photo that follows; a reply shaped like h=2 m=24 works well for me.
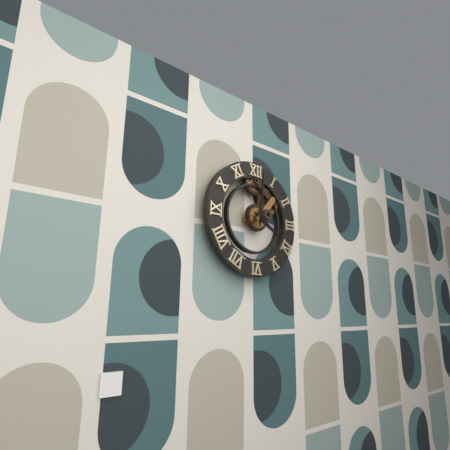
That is h=4 m=1
